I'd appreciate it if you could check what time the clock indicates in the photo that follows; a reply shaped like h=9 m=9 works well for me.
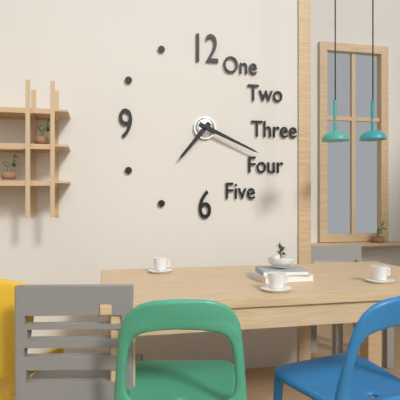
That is h=7 m=19
